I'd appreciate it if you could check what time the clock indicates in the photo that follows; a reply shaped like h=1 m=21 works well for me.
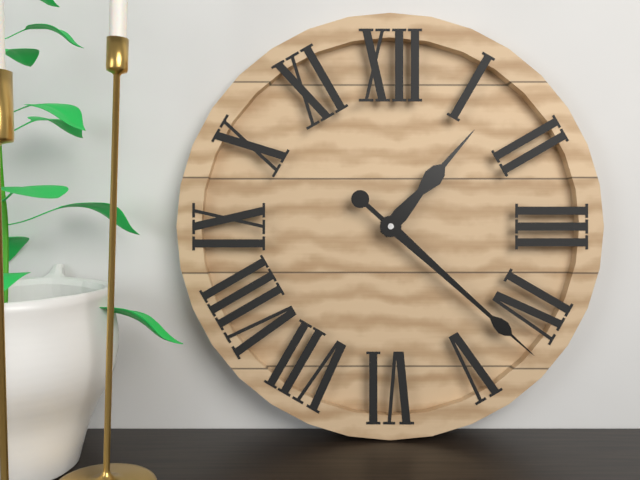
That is h=1 m=22
